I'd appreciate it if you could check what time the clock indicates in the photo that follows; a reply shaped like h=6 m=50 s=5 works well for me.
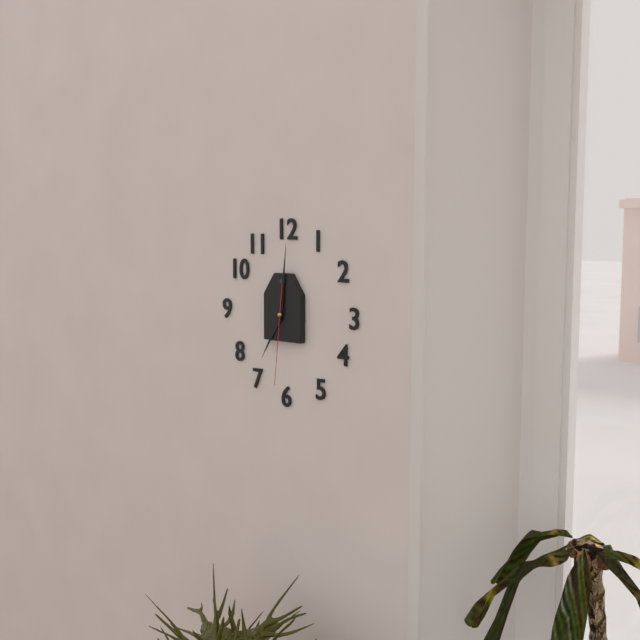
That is h=7 m=1 s=31
